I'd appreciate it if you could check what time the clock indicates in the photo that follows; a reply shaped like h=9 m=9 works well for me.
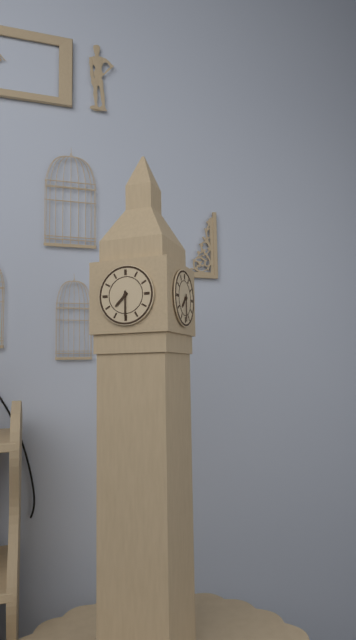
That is h=7 m=30
